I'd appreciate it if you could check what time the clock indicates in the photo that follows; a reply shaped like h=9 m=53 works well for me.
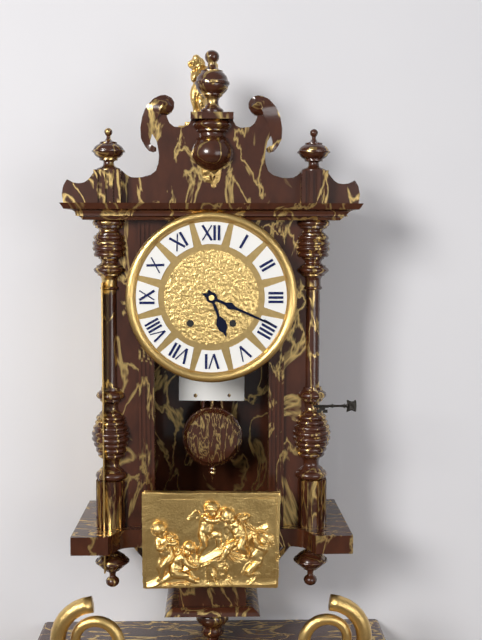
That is h=5 m=19
